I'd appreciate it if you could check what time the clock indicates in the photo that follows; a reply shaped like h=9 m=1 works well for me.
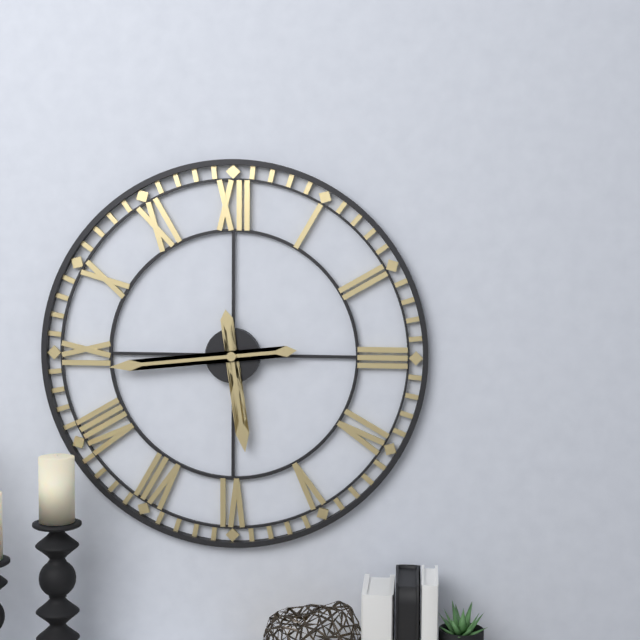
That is h=5 m=44
